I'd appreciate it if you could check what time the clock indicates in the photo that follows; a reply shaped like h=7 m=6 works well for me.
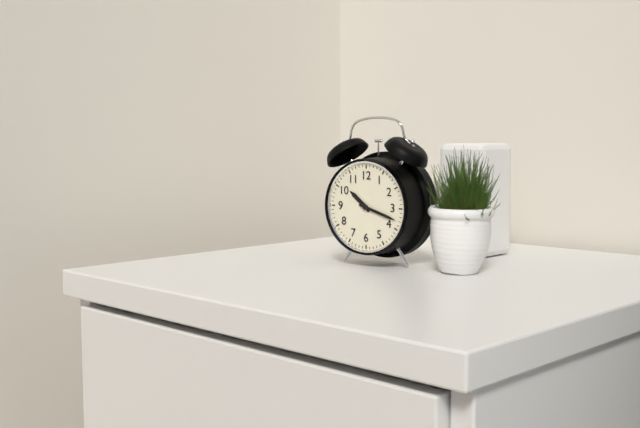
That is h=10 m=18
